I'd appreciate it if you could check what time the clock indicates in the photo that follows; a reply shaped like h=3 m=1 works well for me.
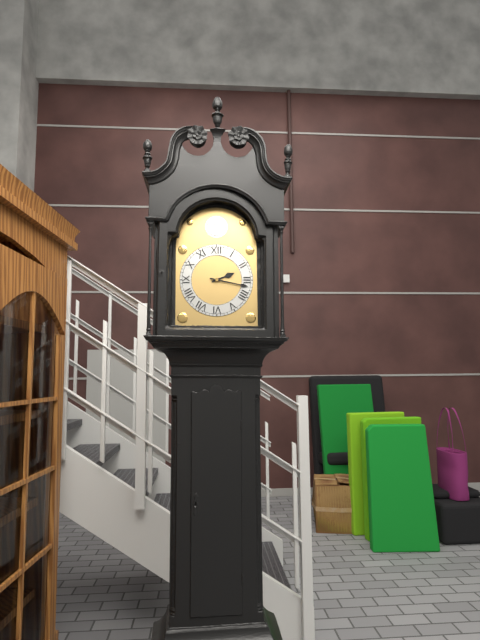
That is h=2 m=17
